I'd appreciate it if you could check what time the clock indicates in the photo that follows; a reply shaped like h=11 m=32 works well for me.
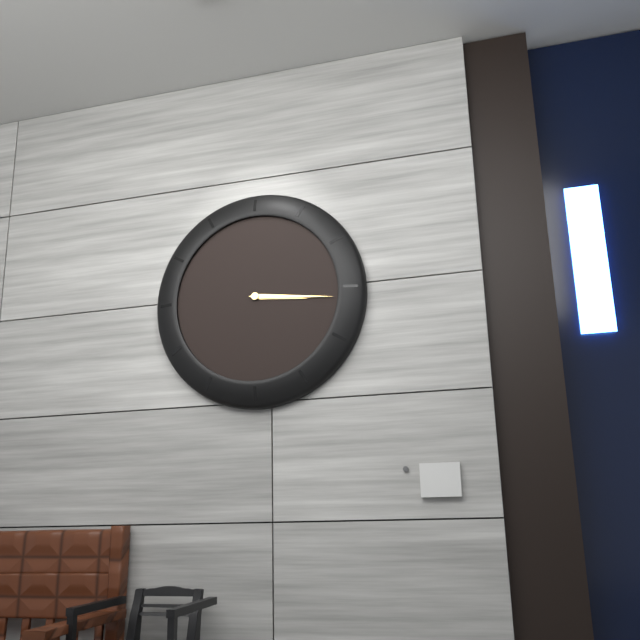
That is h=3 m=16
